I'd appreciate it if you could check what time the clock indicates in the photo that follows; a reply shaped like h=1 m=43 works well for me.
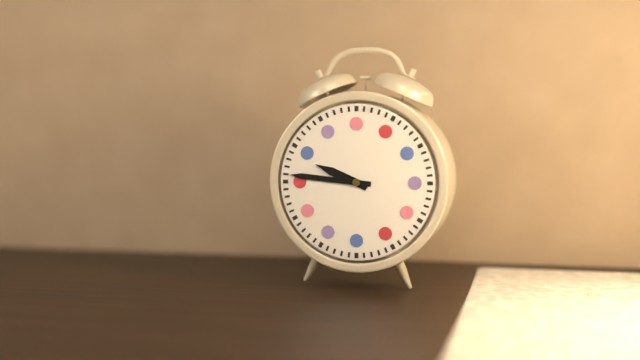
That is h=9 m=46
